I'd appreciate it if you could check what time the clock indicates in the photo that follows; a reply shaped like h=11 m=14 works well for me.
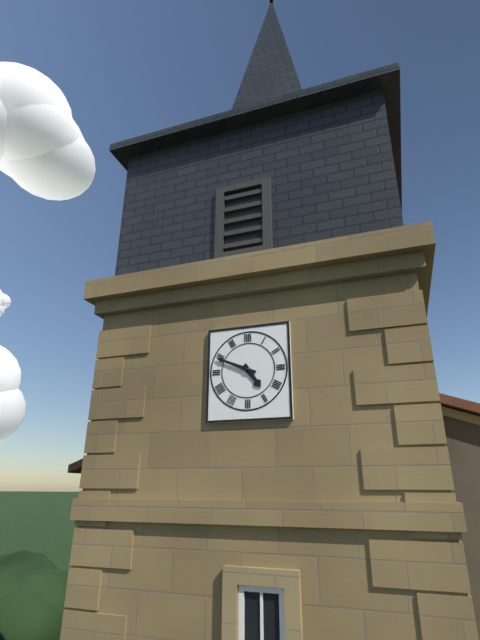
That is h=4 m=49
